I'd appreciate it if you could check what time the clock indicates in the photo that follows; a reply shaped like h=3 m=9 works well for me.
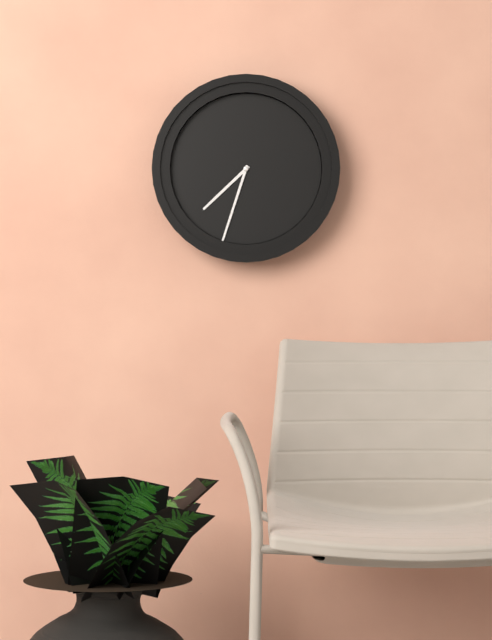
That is h=7 m=33
